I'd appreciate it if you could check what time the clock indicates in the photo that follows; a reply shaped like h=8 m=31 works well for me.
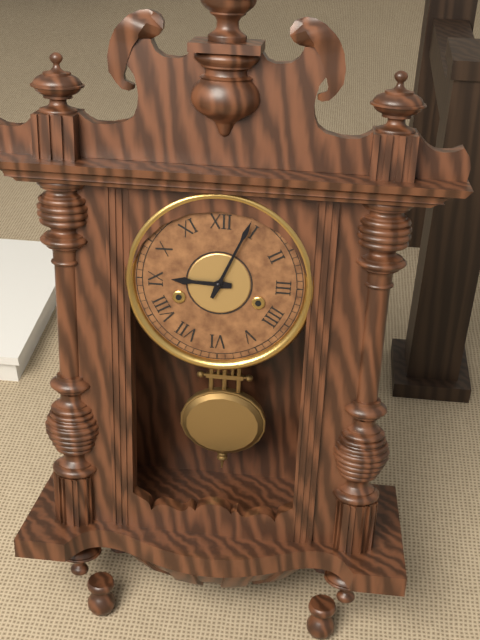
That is h=9 m=4
